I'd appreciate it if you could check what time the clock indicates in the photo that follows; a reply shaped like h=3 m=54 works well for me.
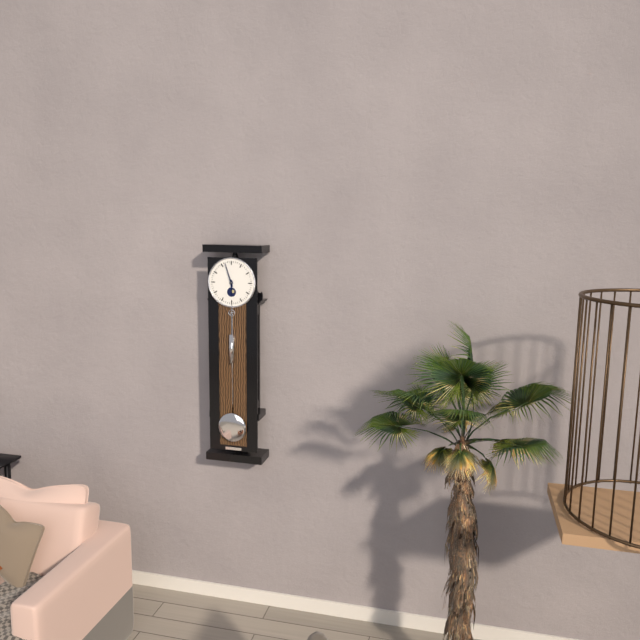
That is h=5 m=57
